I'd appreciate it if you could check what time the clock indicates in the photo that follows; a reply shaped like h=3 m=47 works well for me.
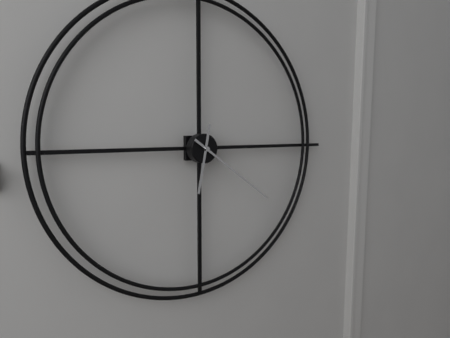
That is h=6 m=21
